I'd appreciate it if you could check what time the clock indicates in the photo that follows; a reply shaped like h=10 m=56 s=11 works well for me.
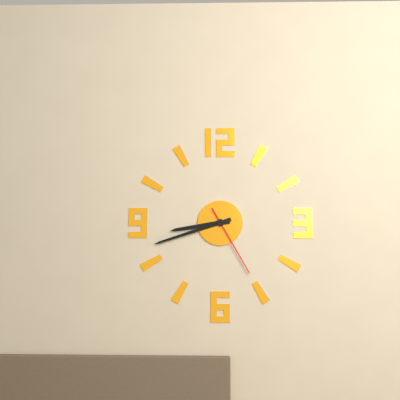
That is h=8 m=42 s=25
